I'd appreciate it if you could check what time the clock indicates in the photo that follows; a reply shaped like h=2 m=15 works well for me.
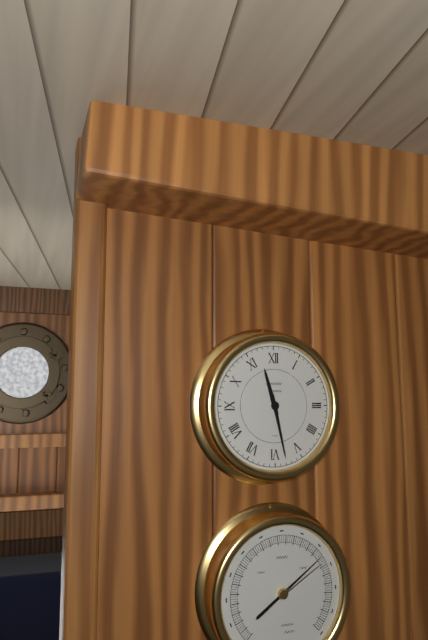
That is h=11 m=28
